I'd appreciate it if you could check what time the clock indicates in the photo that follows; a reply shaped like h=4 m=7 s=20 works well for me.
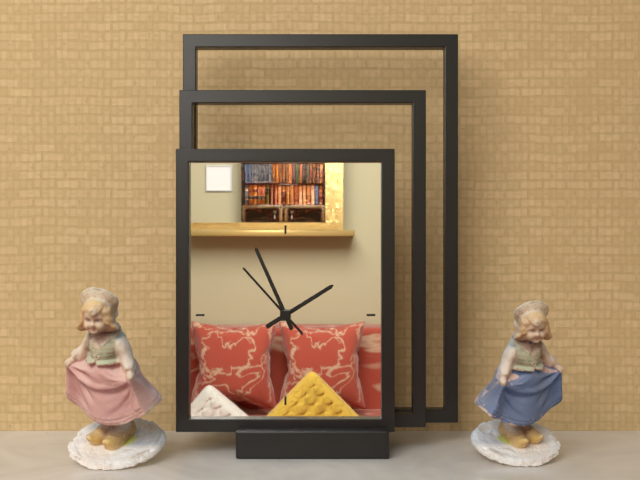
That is h=1 m=56 s=53
